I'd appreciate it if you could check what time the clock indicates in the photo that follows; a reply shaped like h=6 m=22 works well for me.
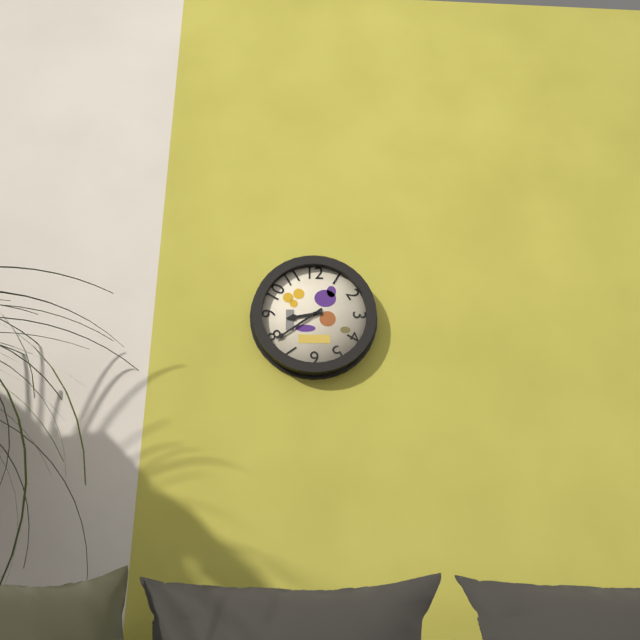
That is h=8 m=39
